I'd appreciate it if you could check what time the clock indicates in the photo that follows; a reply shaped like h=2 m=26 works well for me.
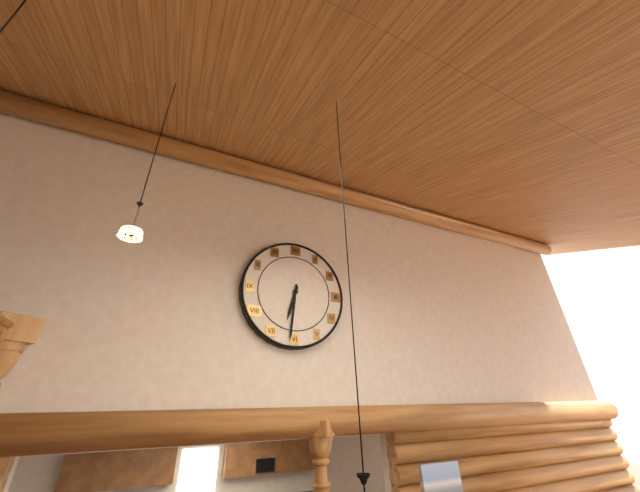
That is h=6 m=31
